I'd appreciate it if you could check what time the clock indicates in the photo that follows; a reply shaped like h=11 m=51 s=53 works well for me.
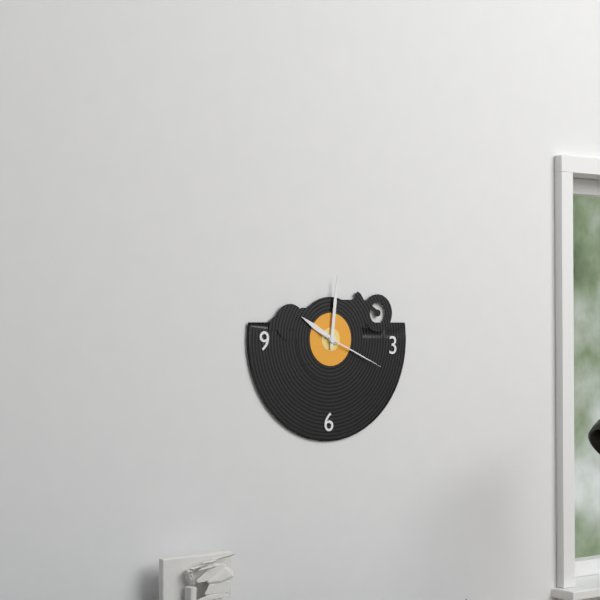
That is h=10 m=1 s=19
